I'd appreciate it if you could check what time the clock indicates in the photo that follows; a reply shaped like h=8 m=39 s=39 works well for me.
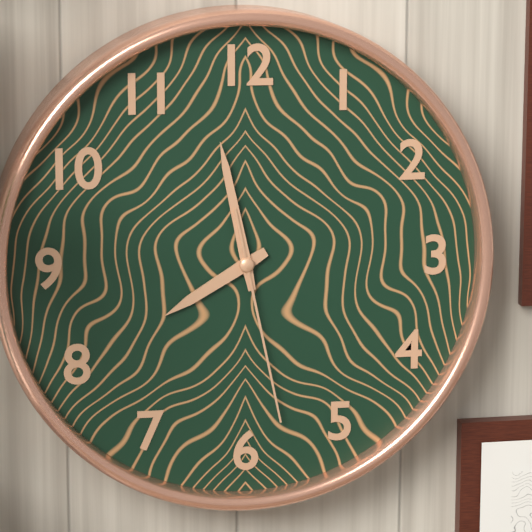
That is h=7 m=58 s=28
